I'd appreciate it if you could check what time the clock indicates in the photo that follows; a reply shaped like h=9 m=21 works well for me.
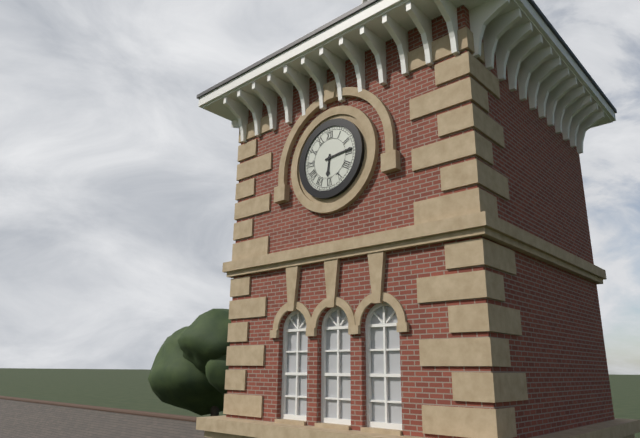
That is h=6 m=14
